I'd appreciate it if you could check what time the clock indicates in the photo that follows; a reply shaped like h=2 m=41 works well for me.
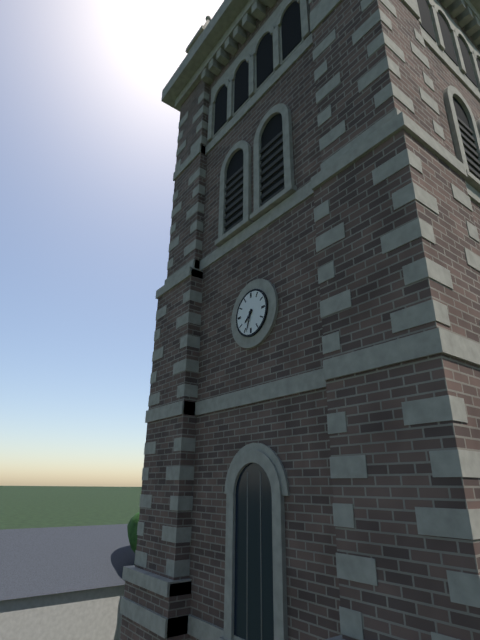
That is h=7 m=33
